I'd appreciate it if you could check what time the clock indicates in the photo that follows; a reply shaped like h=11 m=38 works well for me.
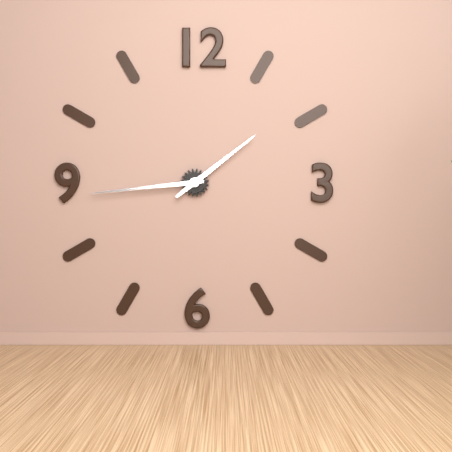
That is h=1 m=44
